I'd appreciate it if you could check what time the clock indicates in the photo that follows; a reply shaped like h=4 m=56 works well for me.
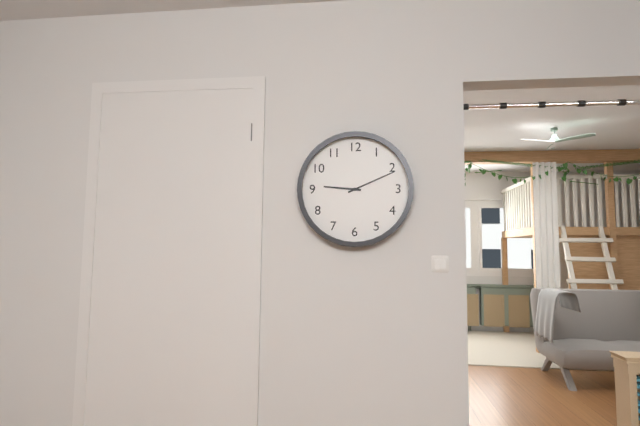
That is h=9 m=11
